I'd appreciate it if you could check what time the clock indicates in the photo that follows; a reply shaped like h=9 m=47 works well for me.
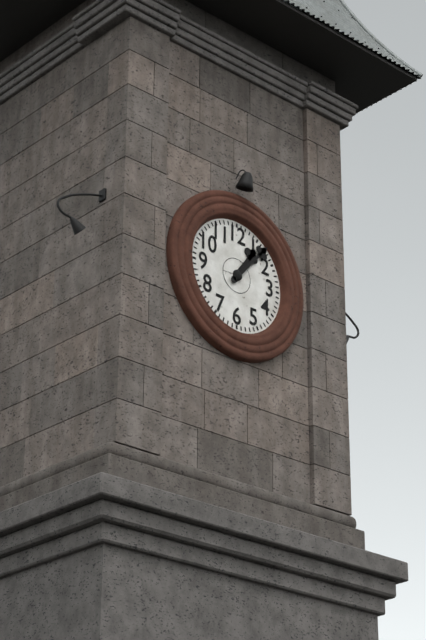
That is h=1 m=7
